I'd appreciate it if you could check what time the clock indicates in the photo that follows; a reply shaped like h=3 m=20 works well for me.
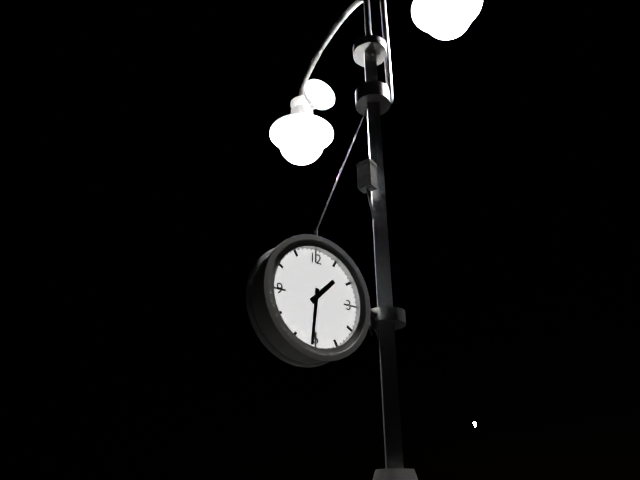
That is h=1 m=31
